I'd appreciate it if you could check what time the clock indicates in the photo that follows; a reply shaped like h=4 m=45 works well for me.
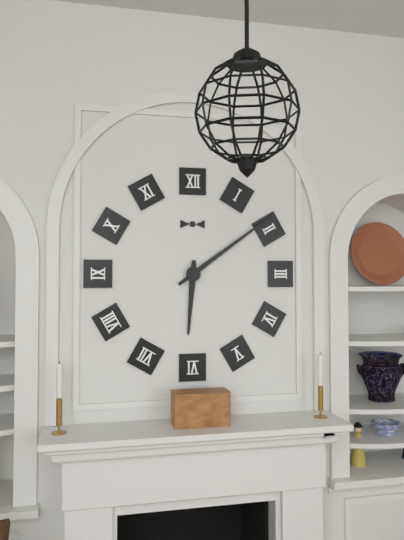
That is h=6 m=9
